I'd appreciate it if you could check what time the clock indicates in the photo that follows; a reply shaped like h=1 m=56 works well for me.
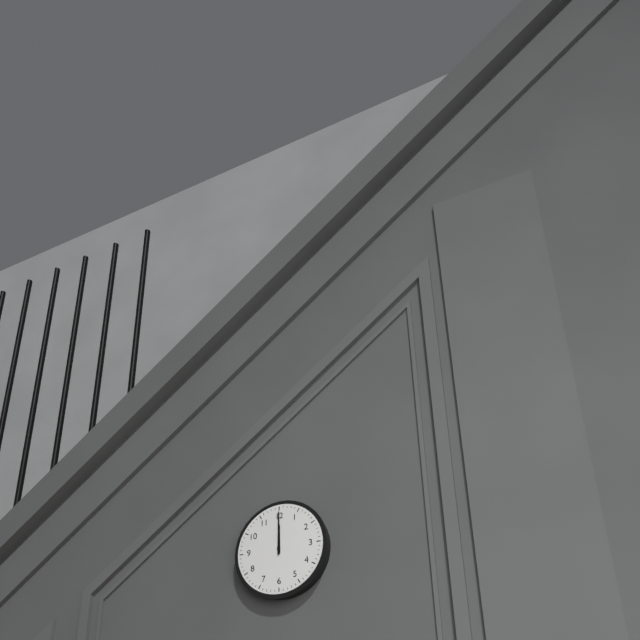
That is h=12 m=0
